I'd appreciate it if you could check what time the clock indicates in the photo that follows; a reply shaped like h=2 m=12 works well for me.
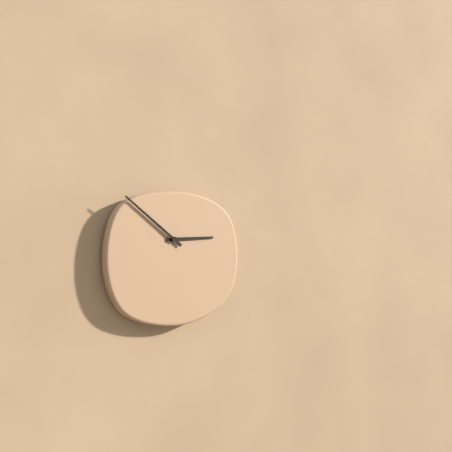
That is h=2 m=51
